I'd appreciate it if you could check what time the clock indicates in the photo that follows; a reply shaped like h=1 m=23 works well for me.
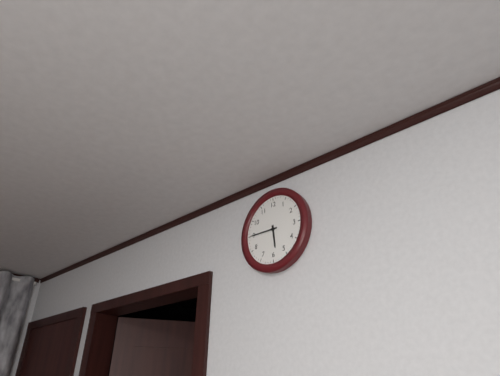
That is h=5 m=45
